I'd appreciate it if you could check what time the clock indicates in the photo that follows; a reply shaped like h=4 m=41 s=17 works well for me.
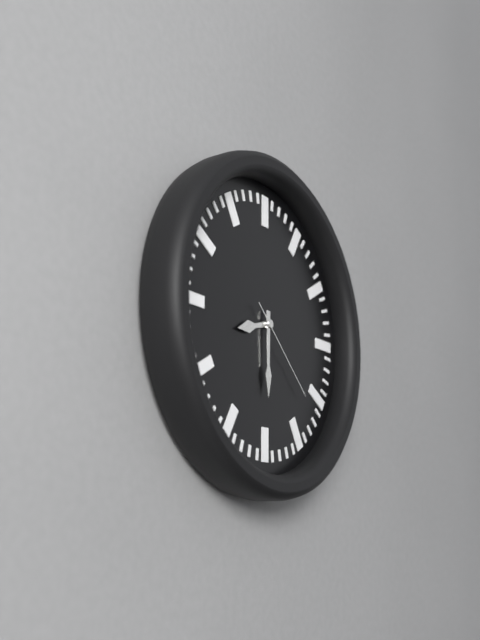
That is h=8 m=30 s=22
